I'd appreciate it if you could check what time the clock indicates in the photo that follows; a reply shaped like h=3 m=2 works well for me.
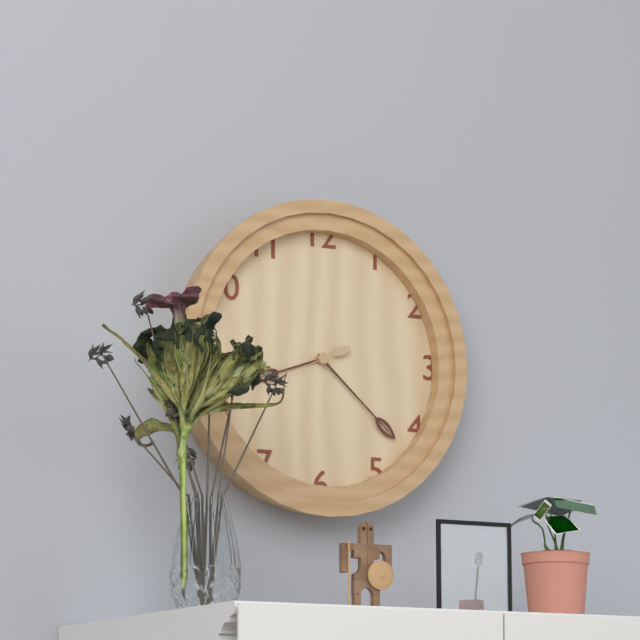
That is h=8 m=22
